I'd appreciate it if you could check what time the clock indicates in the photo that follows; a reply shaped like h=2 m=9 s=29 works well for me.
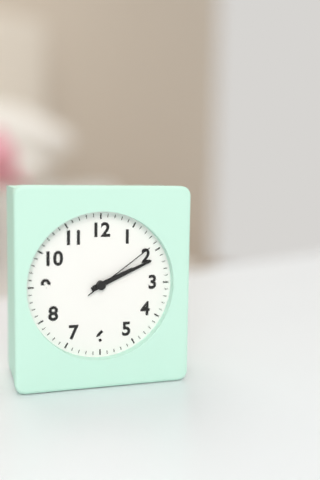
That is h=2 m=11 s=9
